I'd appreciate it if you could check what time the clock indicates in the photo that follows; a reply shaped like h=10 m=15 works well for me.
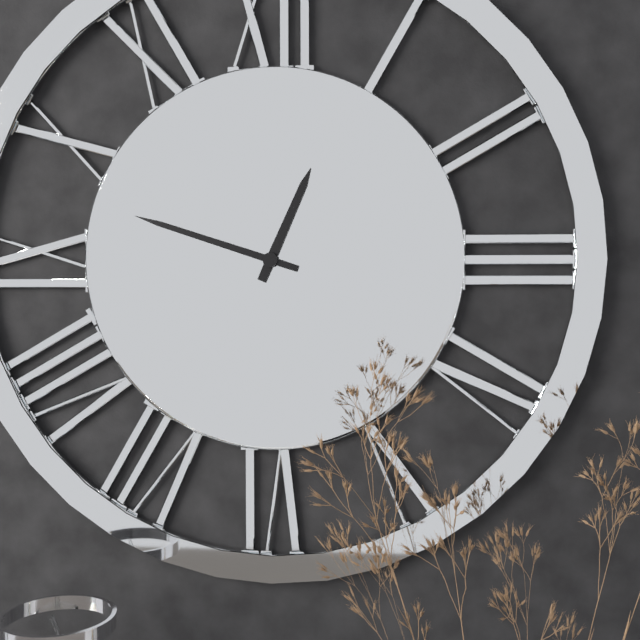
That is h=12 m=48
